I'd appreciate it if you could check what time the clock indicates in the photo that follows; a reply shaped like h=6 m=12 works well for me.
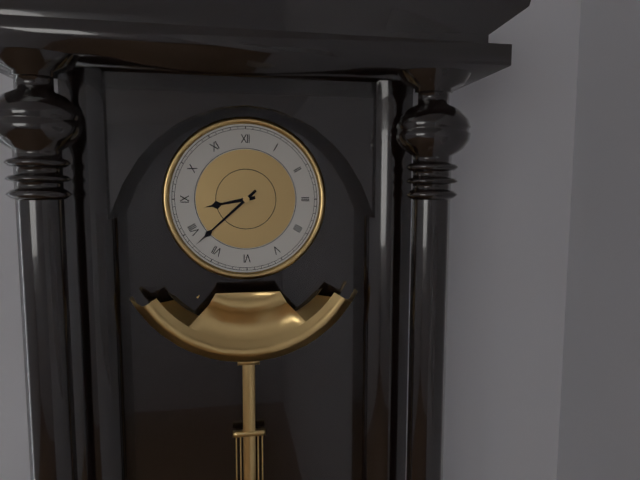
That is h=8 m=38
